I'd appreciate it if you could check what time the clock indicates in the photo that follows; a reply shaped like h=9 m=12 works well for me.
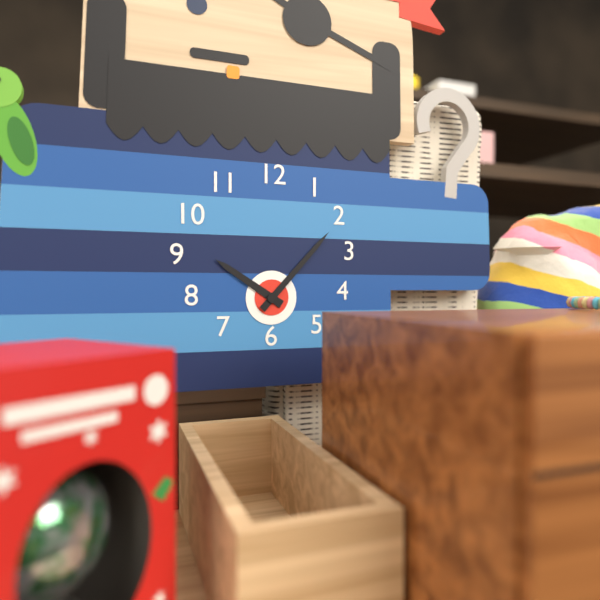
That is h=10 m=7
